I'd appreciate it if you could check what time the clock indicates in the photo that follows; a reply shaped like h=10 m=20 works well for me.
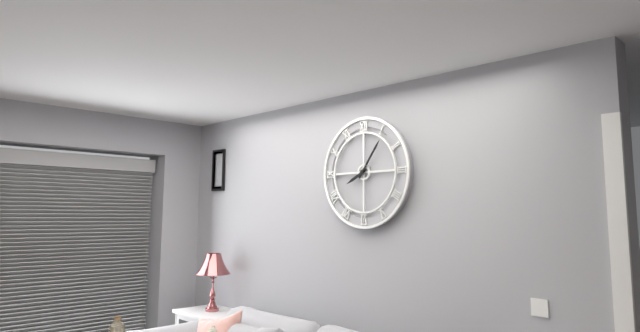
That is h=8 m=6
